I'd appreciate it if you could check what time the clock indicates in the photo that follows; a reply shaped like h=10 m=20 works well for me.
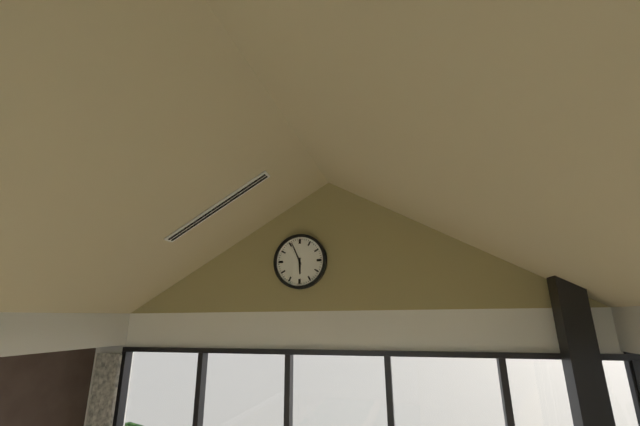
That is h=5 m=56
